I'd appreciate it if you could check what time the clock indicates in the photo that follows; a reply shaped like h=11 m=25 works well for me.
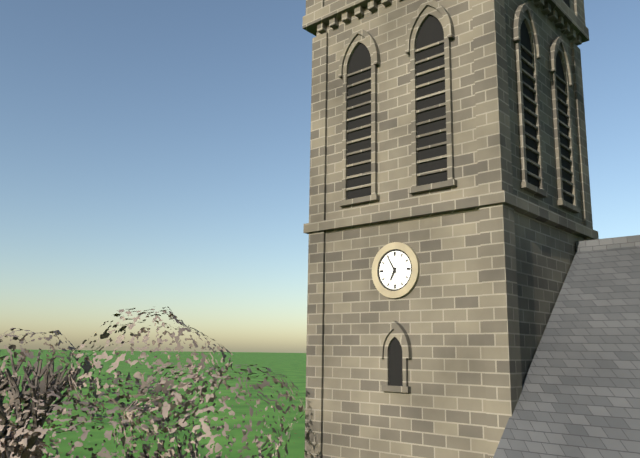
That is h=6 m=55
